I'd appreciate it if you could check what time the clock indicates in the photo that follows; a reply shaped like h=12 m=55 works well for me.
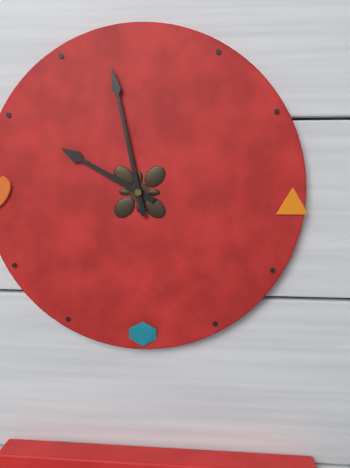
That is h=9 m=58
